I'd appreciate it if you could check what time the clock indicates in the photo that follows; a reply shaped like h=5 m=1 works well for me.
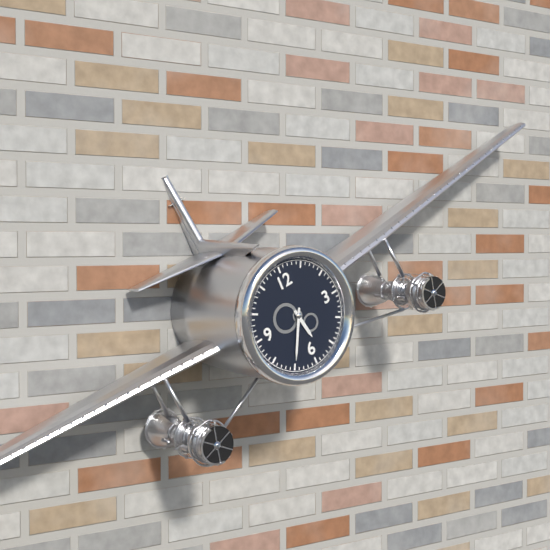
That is h=5 m=35
